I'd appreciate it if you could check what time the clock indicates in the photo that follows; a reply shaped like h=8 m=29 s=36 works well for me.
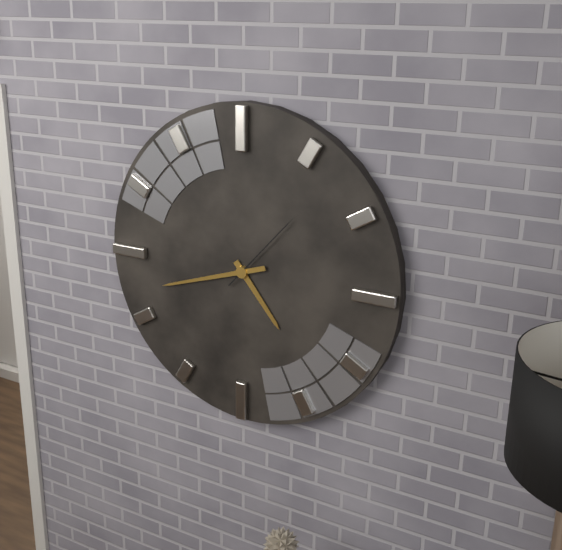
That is h=4 m=42 s=7
